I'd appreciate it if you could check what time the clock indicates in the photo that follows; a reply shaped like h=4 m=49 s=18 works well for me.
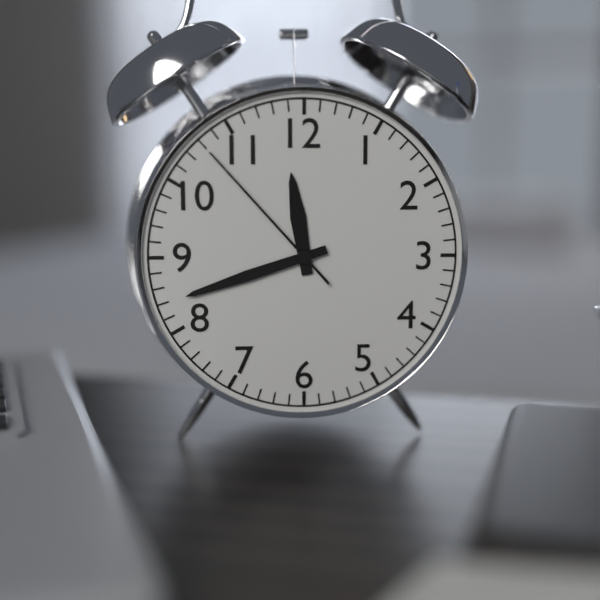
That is h=11 m=42 s=53
